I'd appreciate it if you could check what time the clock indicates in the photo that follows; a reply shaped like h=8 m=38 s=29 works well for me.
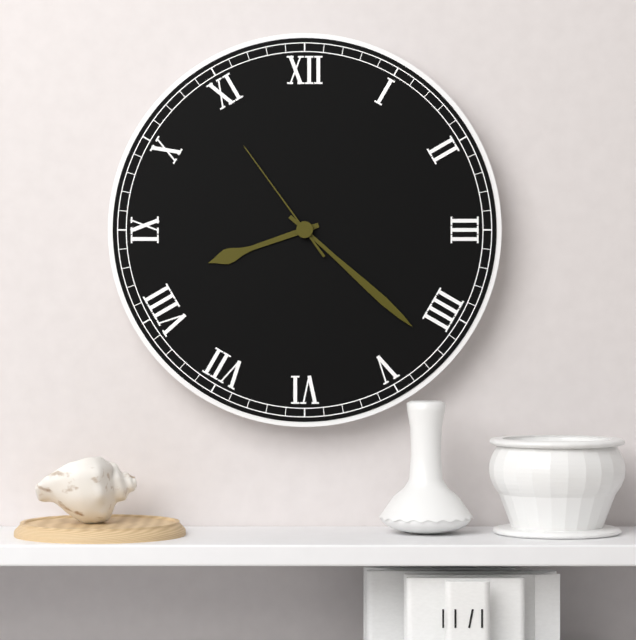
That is h=8 m=22 s=54
